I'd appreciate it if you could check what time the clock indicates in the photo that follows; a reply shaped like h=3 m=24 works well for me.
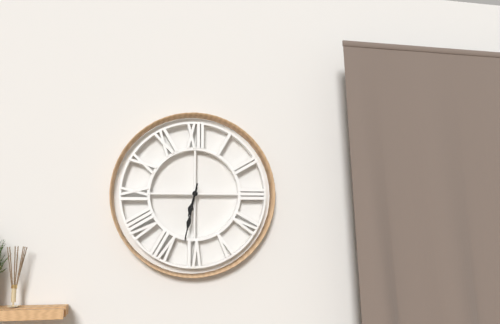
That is h=6 m=32
